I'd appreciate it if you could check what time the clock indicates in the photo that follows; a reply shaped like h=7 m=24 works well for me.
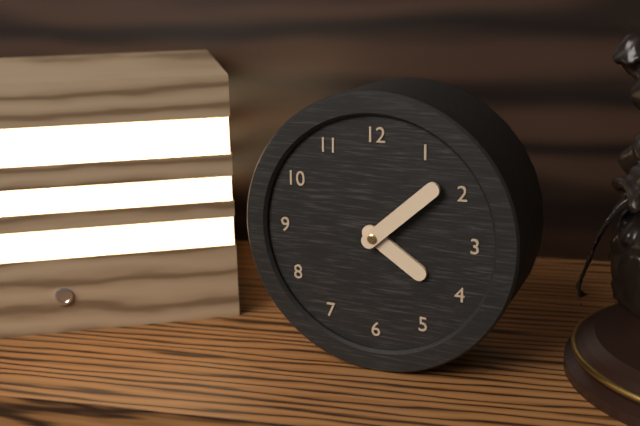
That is h=4 m=8
